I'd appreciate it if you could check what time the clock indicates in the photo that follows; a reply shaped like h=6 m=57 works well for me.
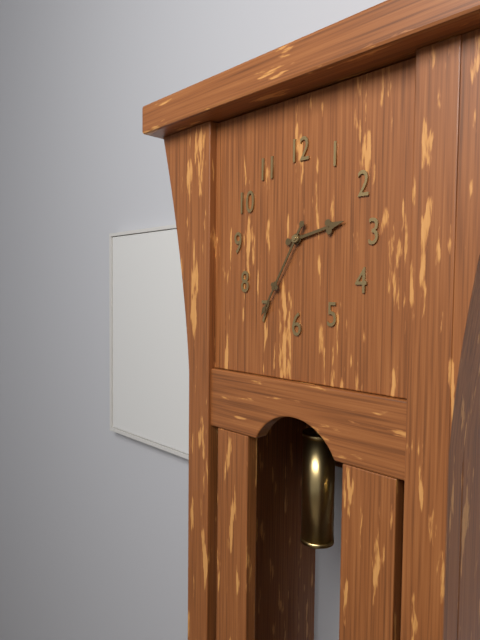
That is h=2 m=35
